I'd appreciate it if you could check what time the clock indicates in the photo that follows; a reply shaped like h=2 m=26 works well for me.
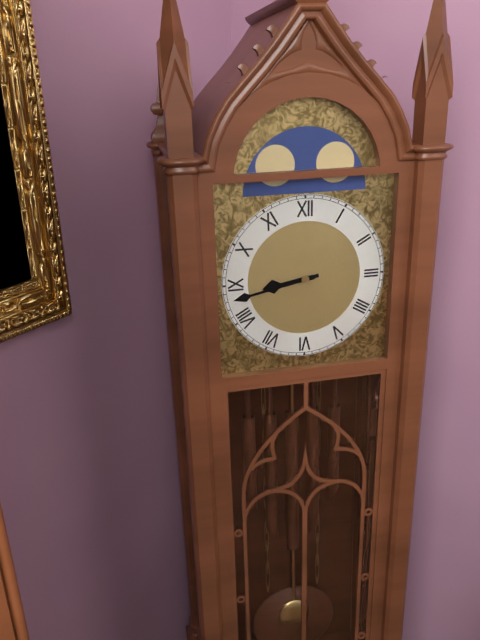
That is h=8 m=43
